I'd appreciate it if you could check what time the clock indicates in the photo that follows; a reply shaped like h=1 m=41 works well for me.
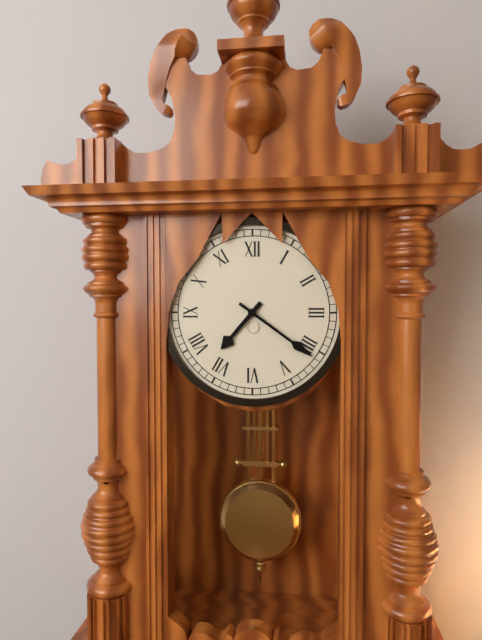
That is h=7 m=21
